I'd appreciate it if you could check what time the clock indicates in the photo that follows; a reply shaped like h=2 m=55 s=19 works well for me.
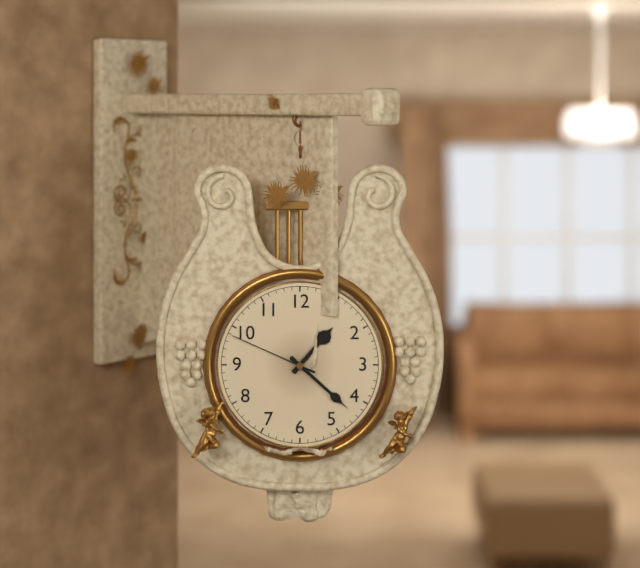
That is h=1 m=22 s=49
